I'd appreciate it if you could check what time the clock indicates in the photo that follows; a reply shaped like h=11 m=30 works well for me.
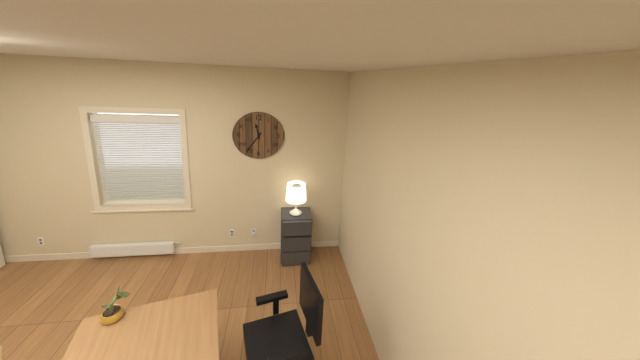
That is h=11 m=36
